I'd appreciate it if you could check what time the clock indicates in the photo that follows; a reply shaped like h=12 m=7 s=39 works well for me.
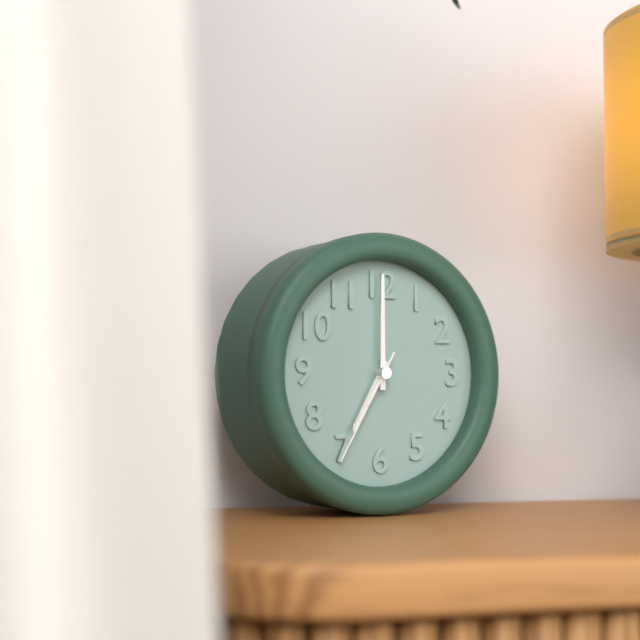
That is h=7 m=0 s=35
